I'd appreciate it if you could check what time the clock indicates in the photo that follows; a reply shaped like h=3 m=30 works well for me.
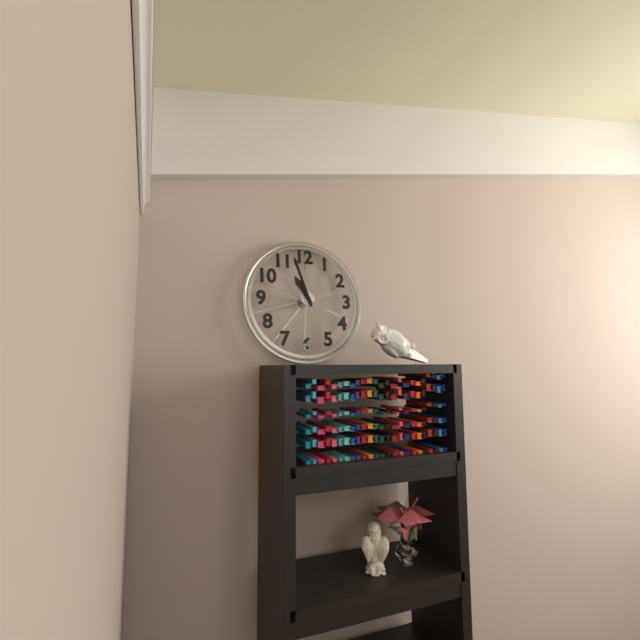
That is h=10 m=57
